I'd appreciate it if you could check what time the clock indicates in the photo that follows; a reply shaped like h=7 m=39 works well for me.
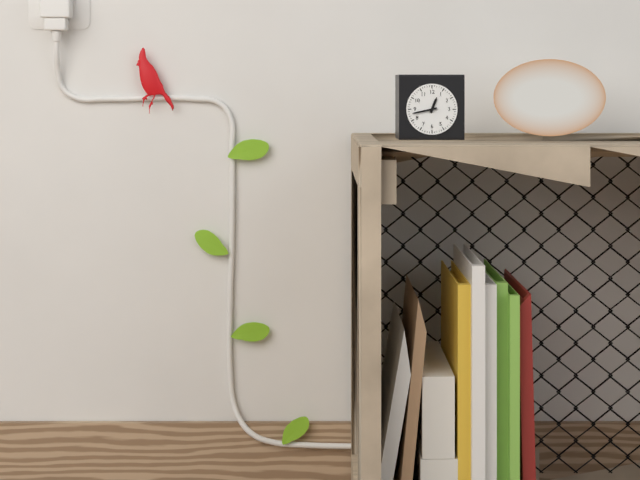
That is h=12 m=43
